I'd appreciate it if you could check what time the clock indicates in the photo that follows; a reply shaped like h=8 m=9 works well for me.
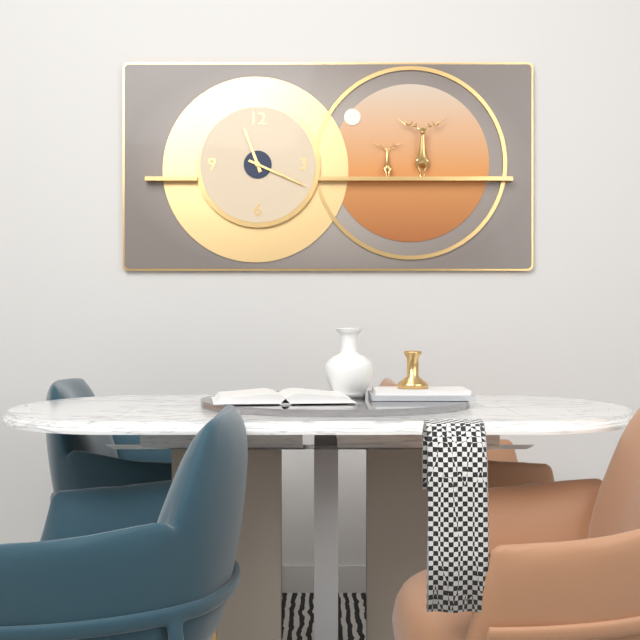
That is h=11 m=19
